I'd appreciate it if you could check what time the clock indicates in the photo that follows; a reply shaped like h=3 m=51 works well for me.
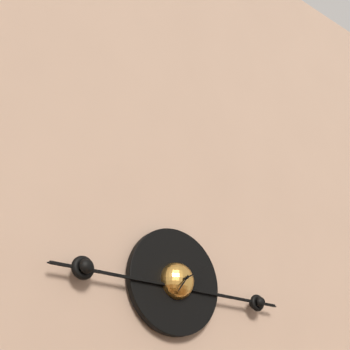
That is h=7 m=10
